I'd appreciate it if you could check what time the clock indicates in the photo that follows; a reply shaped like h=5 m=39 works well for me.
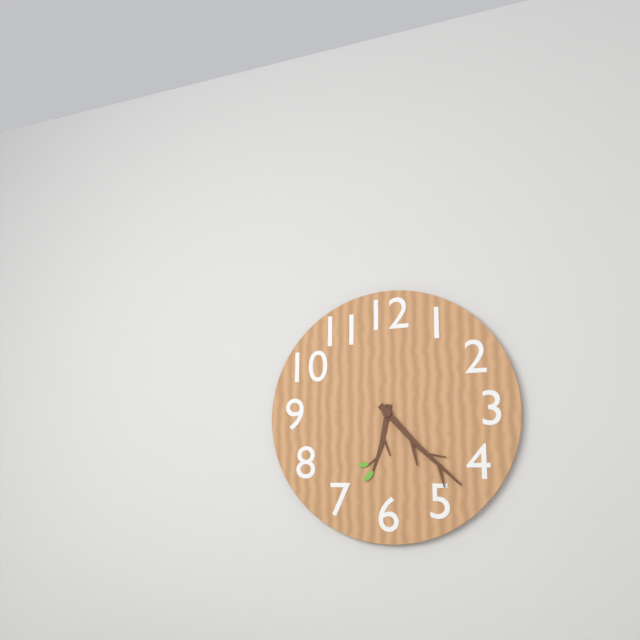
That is h=6 m=23
